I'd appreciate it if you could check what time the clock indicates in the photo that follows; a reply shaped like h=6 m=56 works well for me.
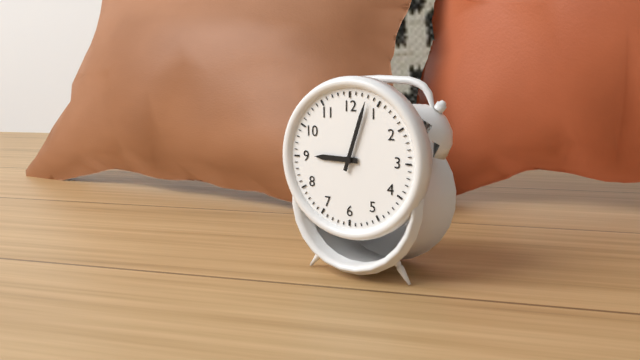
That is h=9 m=3
